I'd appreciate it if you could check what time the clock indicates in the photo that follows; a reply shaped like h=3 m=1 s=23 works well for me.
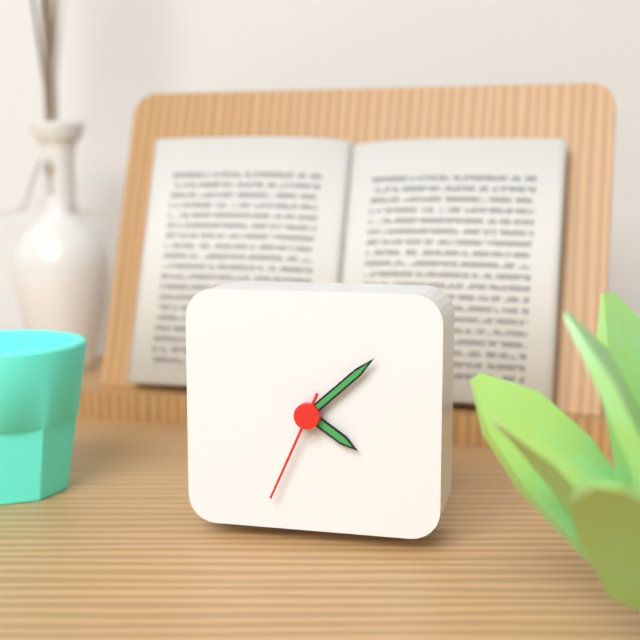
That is h=4 m=8 s=34
